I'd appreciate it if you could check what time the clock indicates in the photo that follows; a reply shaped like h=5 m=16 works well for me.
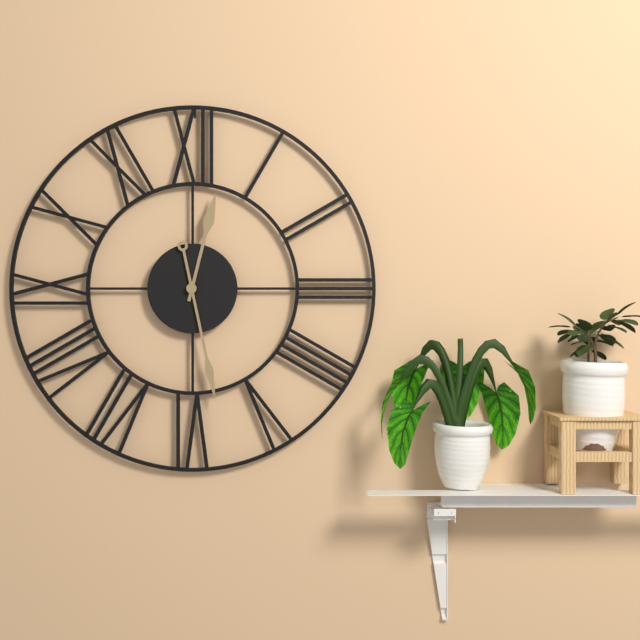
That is h=12 m=28
